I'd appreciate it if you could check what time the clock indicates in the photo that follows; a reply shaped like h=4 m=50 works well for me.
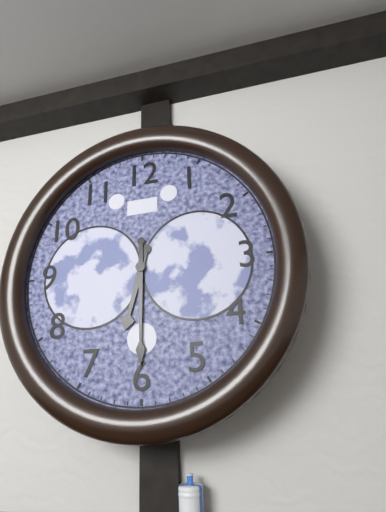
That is h=6 m=30
